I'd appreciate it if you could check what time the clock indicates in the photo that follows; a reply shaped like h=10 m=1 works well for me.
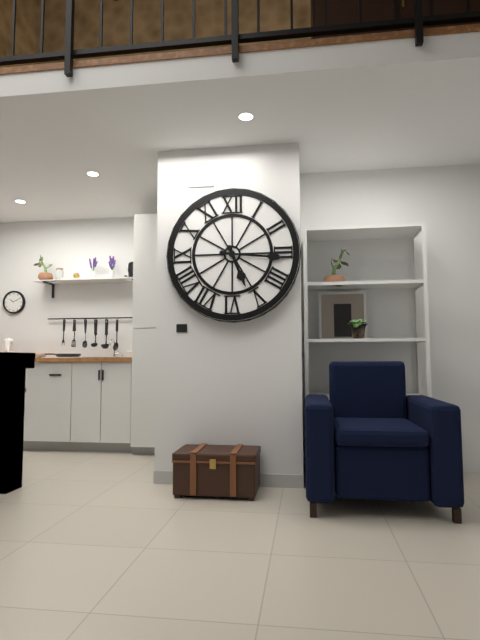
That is h=5 m=16
